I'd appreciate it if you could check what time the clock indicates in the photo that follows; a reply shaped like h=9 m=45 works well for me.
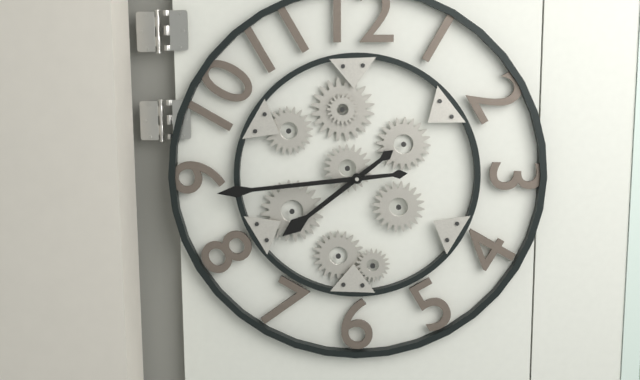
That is h=7 m=44
